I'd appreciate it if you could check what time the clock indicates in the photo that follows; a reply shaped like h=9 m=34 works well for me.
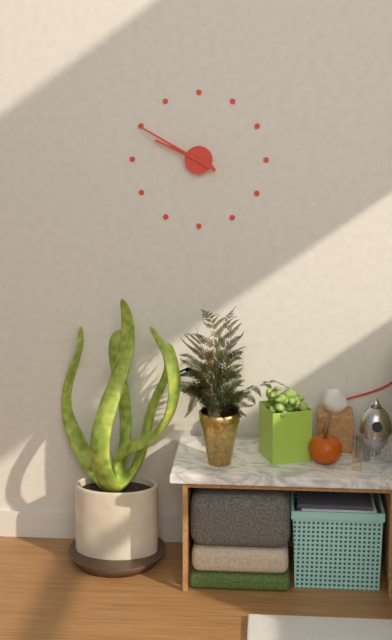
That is h=9 m=50
